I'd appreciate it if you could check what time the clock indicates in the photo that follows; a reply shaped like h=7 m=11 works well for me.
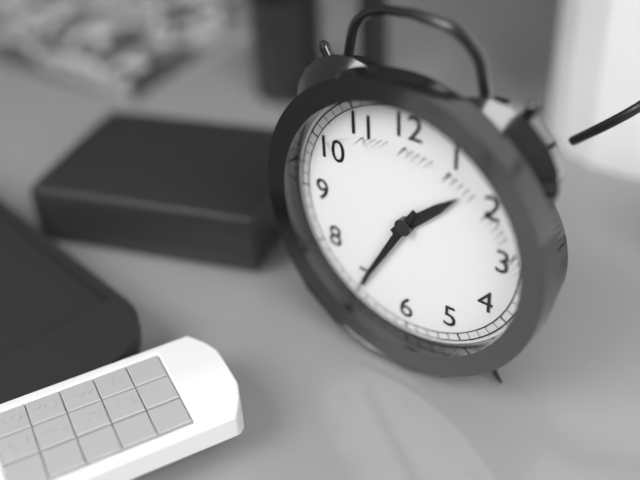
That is h=1 m=35
